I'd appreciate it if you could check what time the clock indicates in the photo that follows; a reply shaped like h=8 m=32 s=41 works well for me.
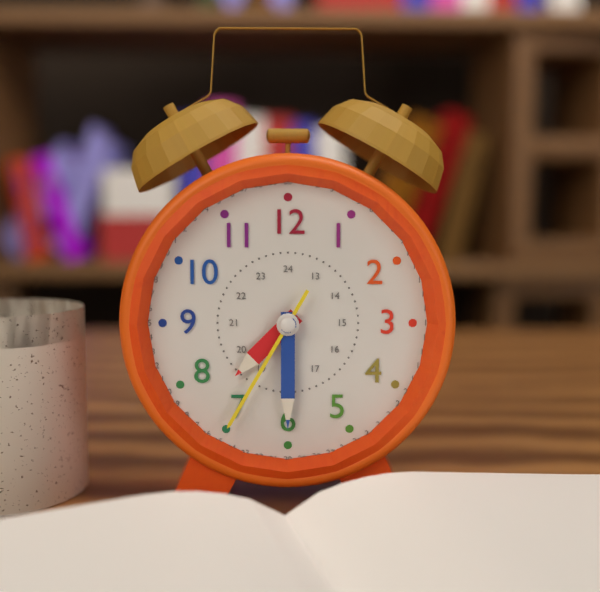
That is h=7 m=30 s=35
